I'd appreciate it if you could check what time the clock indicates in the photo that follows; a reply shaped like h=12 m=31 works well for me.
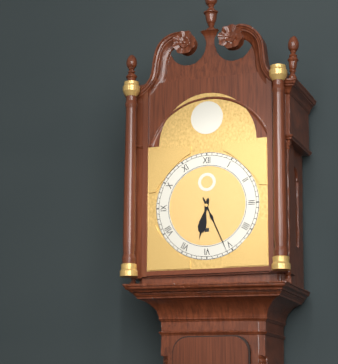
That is h=6 m=26
